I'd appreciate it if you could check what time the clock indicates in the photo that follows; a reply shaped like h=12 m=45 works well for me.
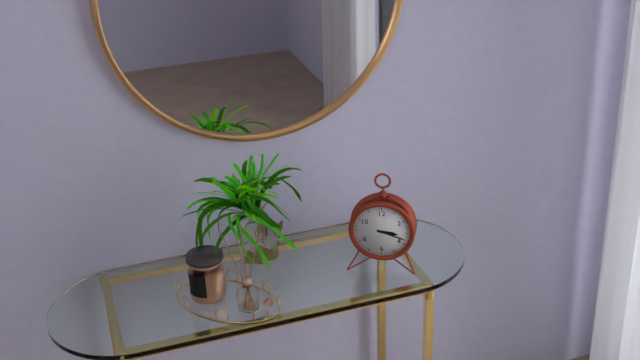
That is h=3 m=18
